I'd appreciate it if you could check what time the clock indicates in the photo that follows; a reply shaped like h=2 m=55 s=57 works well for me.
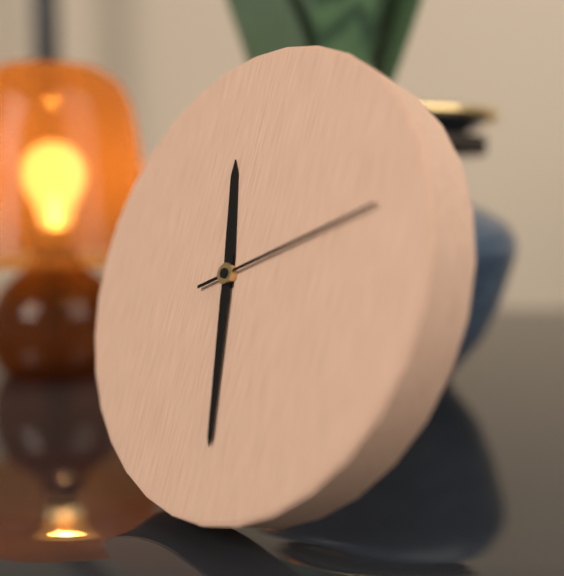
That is h=11 m=28 s=11
